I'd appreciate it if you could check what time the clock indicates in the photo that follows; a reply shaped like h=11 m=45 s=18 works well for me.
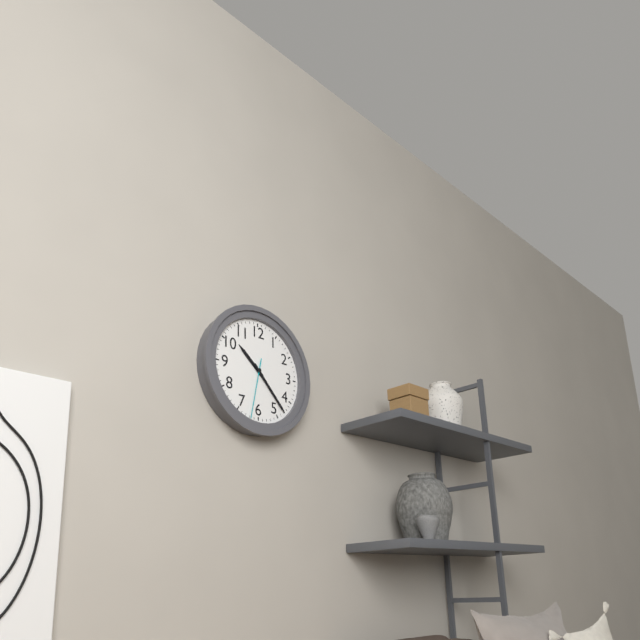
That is h=10 m=23 s=32
